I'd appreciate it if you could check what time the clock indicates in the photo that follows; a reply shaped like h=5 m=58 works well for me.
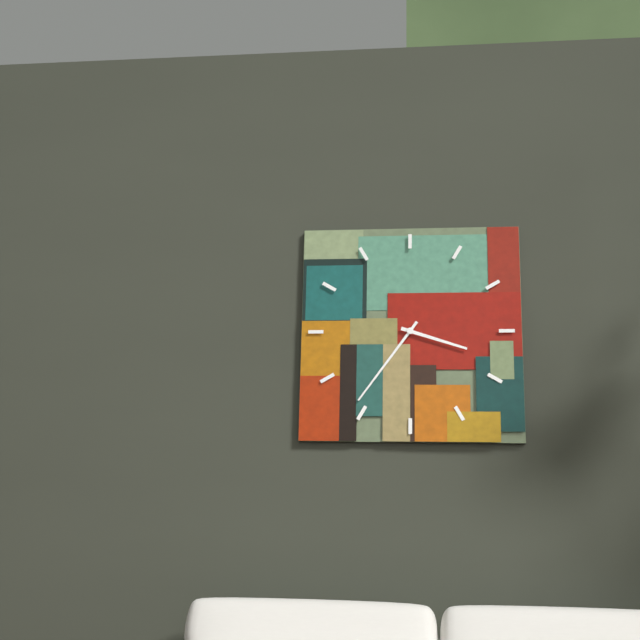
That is h=3 m=36
